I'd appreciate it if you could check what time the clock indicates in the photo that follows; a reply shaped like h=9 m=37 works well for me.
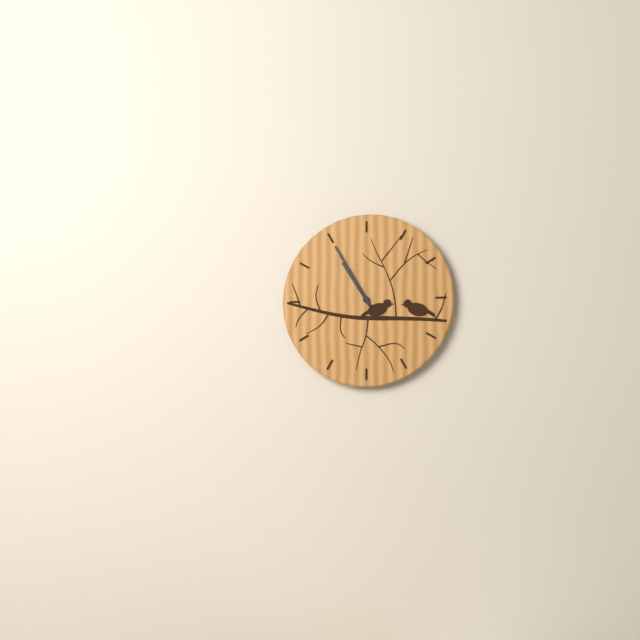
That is h=10 m=55
